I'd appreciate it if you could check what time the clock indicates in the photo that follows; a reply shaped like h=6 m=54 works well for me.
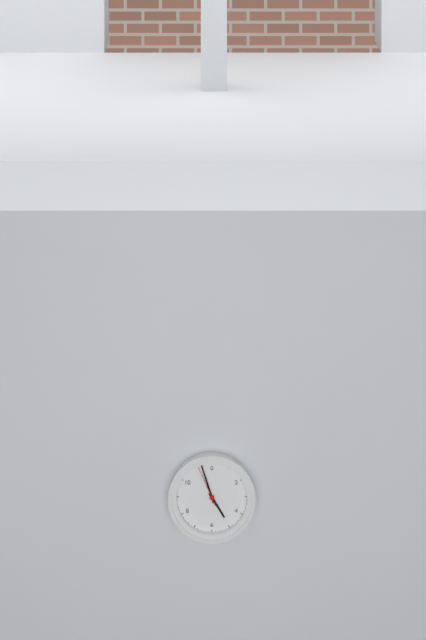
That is h=4 m=57
